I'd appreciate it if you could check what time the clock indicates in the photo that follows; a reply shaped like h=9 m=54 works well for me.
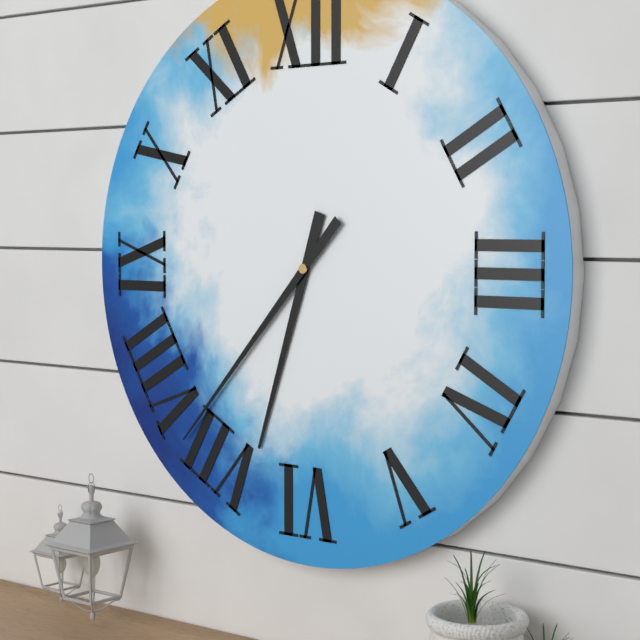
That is h=6 m=37
